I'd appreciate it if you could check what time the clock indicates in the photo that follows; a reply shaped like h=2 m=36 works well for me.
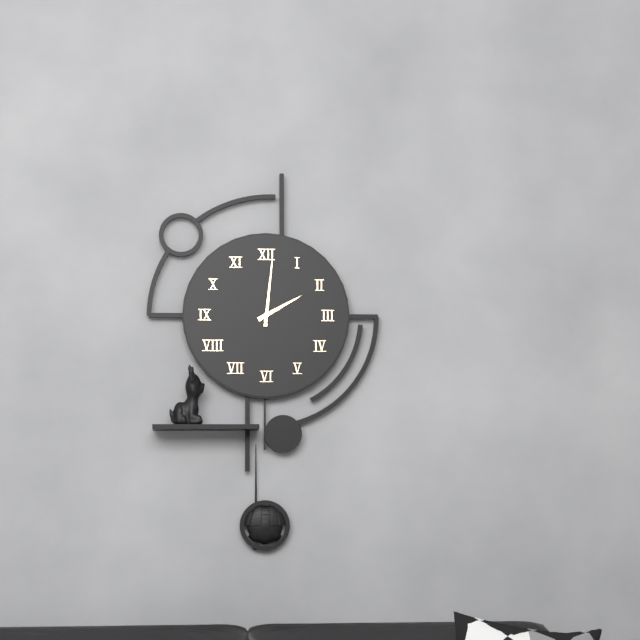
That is h=2 m=1
